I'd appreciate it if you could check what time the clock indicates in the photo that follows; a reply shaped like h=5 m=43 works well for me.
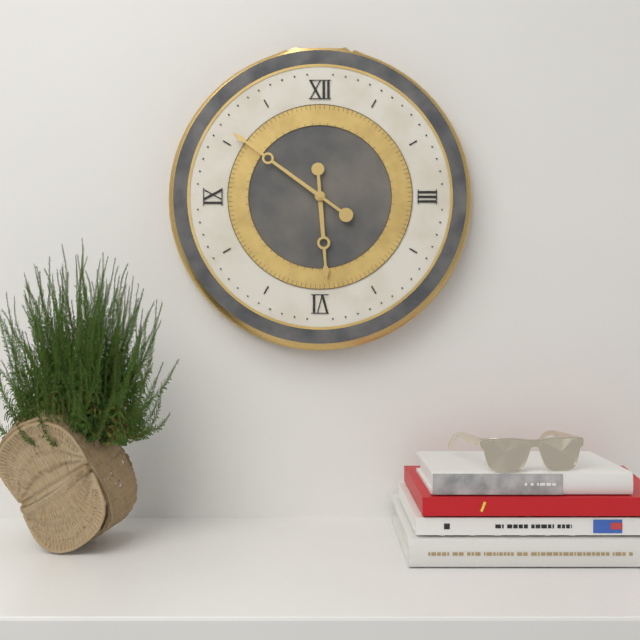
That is h=5 m=51
